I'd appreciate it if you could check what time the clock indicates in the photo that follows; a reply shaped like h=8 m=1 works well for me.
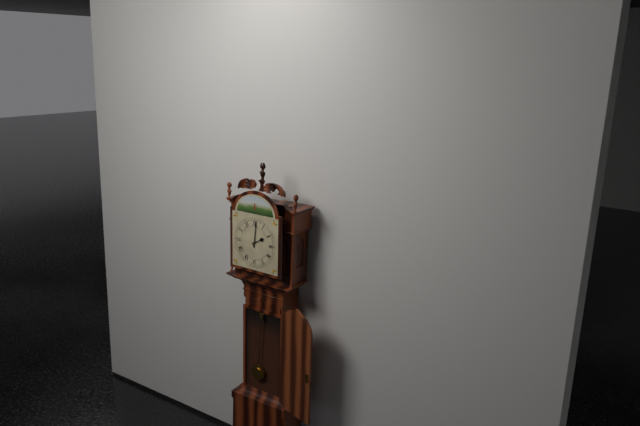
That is h=2 m=1
